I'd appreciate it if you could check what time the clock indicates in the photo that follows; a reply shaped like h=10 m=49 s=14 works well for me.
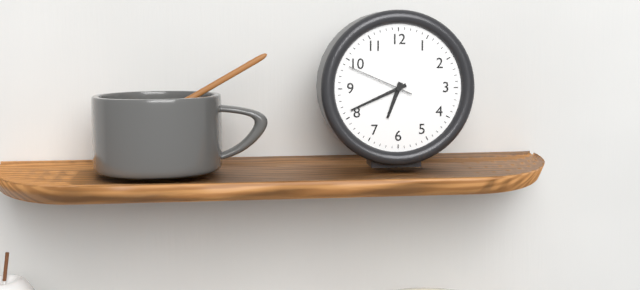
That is h=6 m=41 s=49
